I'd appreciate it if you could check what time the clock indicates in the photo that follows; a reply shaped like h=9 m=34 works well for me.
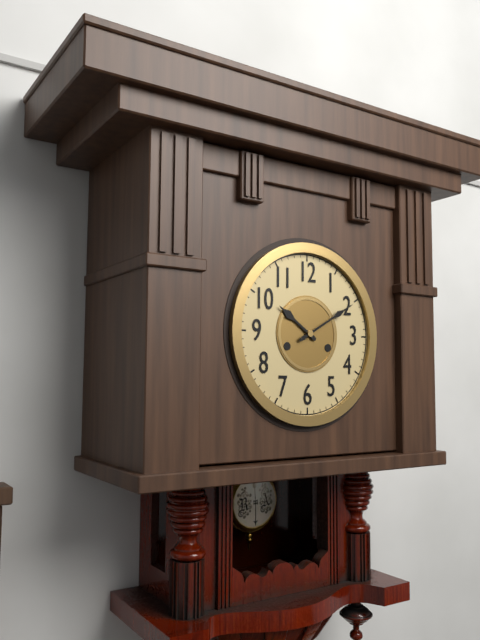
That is h=10 m=10
